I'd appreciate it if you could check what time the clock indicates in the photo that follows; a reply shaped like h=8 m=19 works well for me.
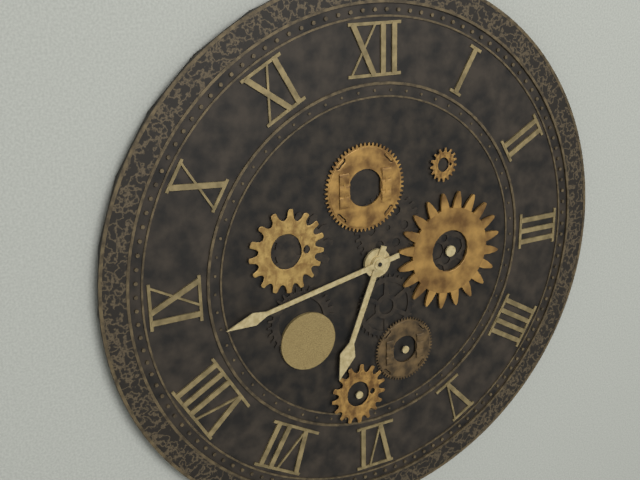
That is h=6 m=43
